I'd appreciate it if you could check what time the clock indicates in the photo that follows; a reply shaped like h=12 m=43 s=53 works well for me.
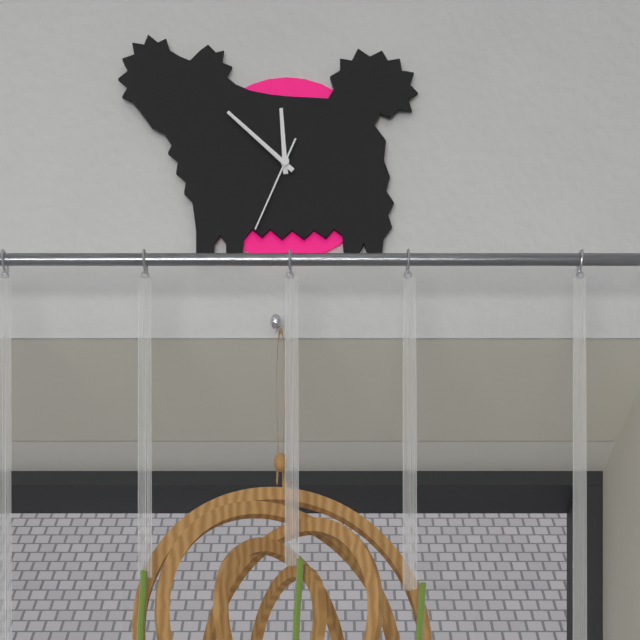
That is h=11 m=52 s=34
